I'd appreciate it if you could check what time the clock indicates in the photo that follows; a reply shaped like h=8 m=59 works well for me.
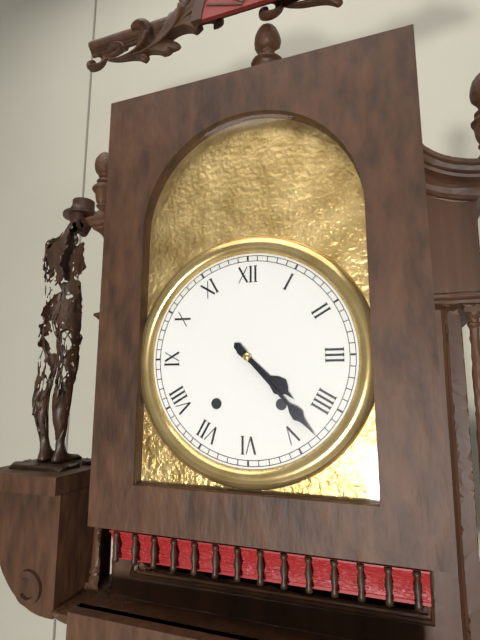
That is h=4 m=23
